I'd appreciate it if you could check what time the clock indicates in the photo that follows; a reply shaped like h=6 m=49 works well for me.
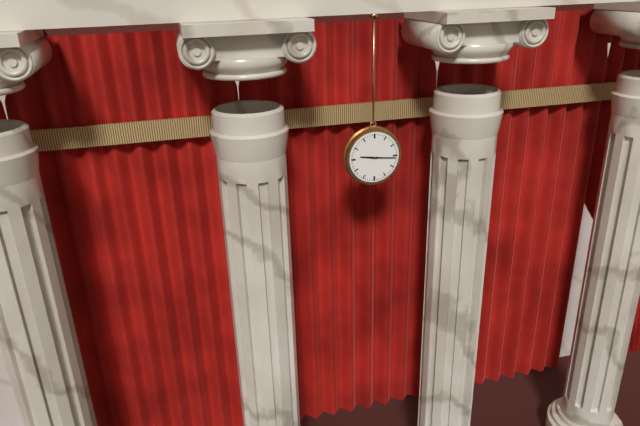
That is h=9 m=16
